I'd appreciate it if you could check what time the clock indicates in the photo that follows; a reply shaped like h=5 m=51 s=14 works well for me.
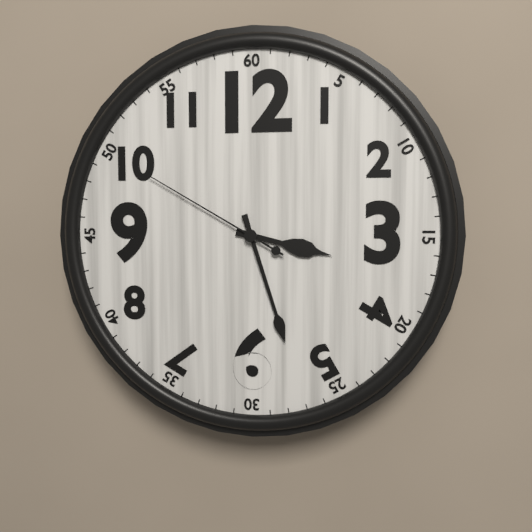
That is h=3 m=27 s=50
